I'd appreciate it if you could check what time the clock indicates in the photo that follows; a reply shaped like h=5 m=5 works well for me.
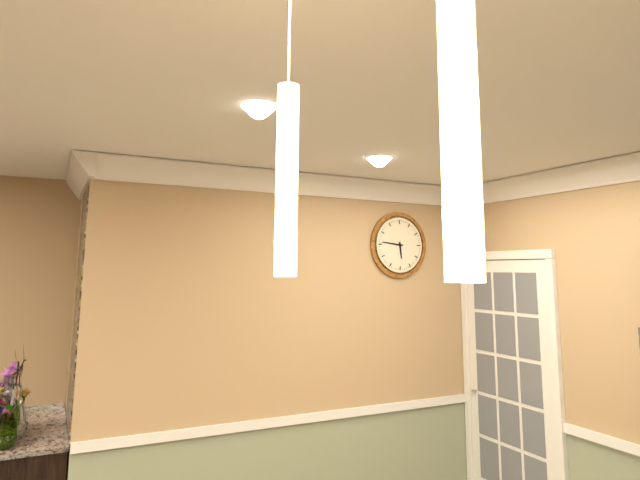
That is h=5 m=46
